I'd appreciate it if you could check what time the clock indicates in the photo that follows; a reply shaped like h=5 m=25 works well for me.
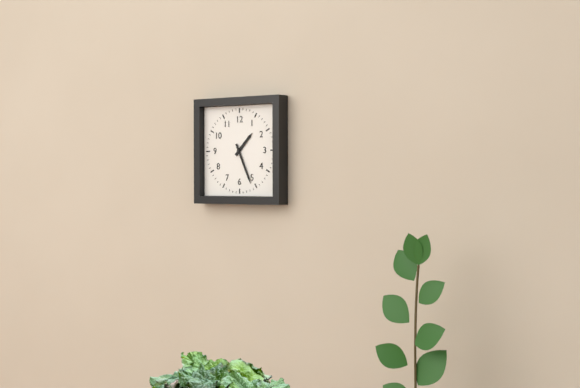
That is h=1 m=26
